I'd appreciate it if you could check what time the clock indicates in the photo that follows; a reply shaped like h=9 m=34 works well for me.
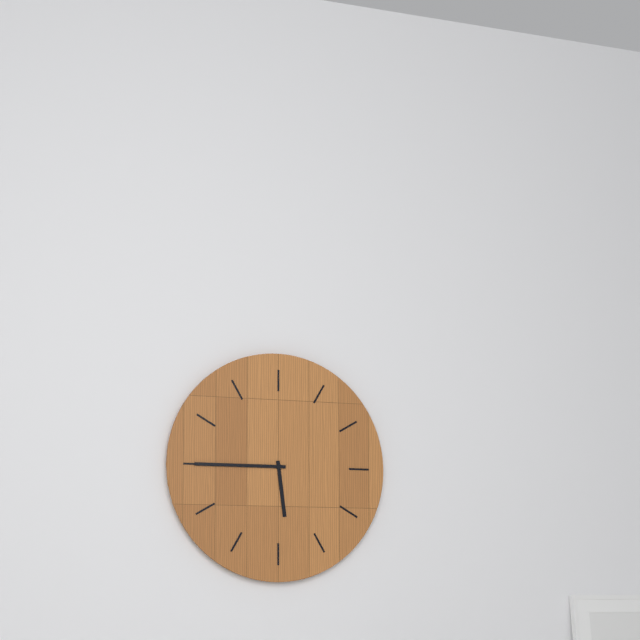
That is h=5 m=45
